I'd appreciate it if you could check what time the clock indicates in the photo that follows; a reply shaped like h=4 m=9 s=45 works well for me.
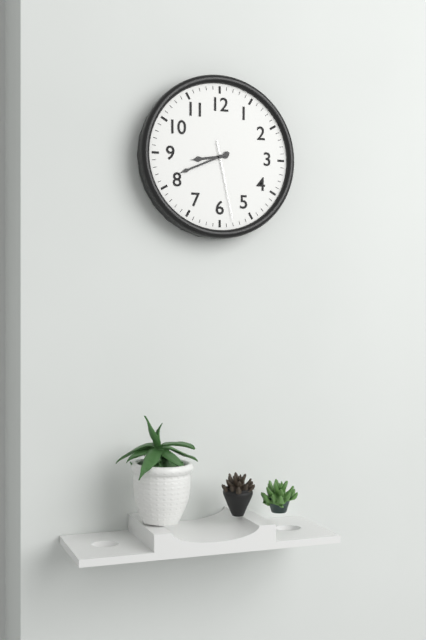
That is h=8 m=41 s=28
